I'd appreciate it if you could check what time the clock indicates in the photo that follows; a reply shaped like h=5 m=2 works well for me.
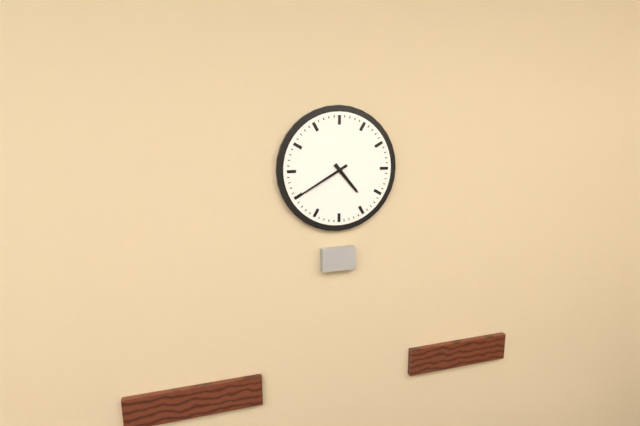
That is h=4 m=40
